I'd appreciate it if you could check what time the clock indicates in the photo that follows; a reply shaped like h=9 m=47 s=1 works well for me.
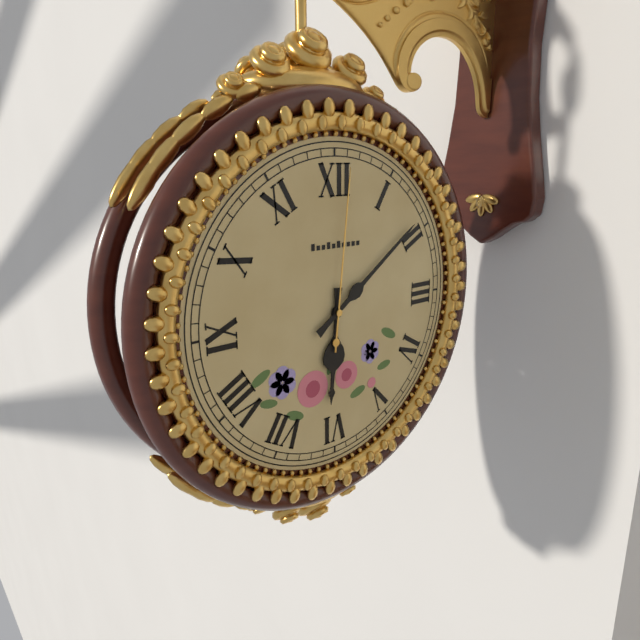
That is h=6 m=9 s=1
